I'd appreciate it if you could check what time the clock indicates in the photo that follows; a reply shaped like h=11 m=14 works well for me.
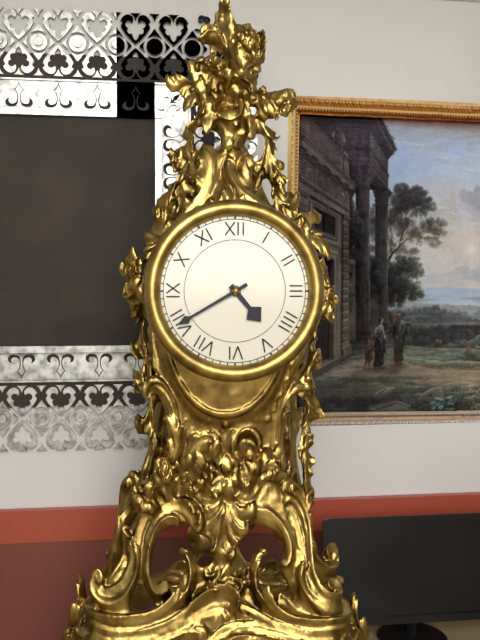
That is h=4 m=40
